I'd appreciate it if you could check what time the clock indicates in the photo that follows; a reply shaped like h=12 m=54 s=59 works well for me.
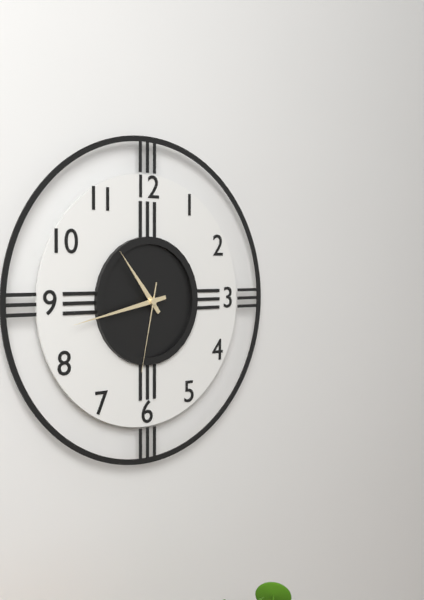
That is h=10 m=43 s=32
